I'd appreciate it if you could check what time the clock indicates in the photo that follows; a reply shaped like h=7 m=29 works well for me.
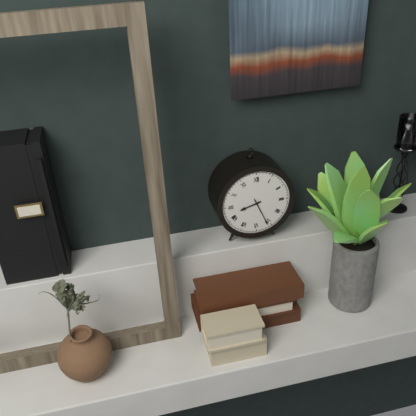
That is h=8 m=26
